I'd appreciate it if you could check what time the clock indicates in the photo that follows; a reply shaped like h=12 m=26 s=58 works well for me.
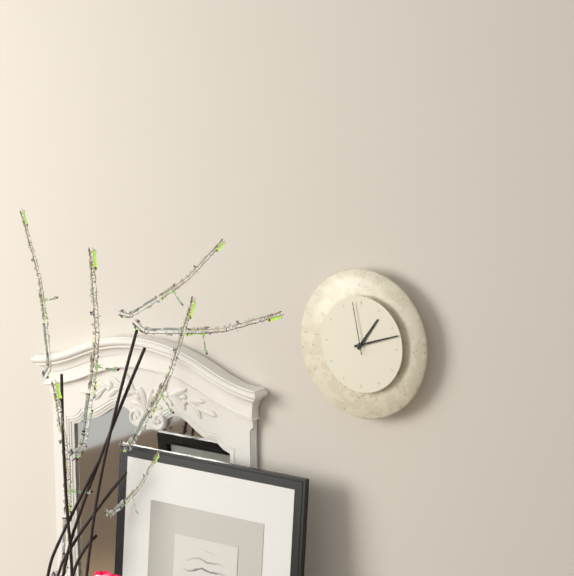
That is h=1 m=12 s=58
